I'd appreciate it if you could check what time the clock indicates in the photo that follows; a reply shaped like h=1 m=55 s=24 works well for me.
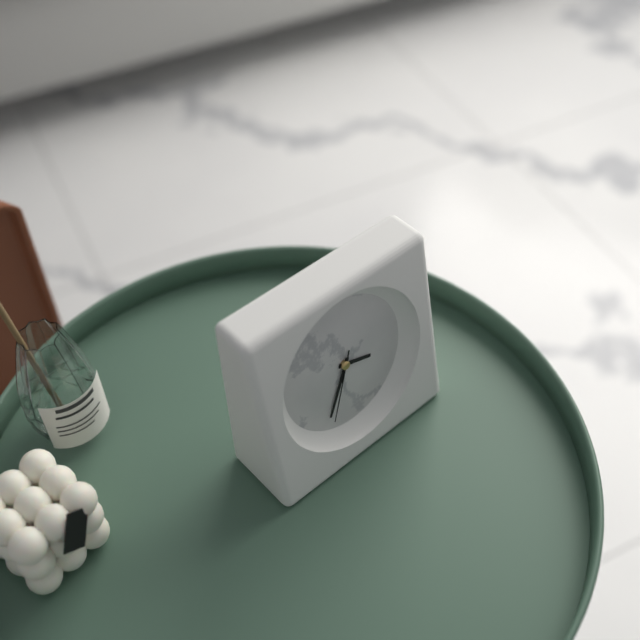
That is h=3 m=35 s=34
